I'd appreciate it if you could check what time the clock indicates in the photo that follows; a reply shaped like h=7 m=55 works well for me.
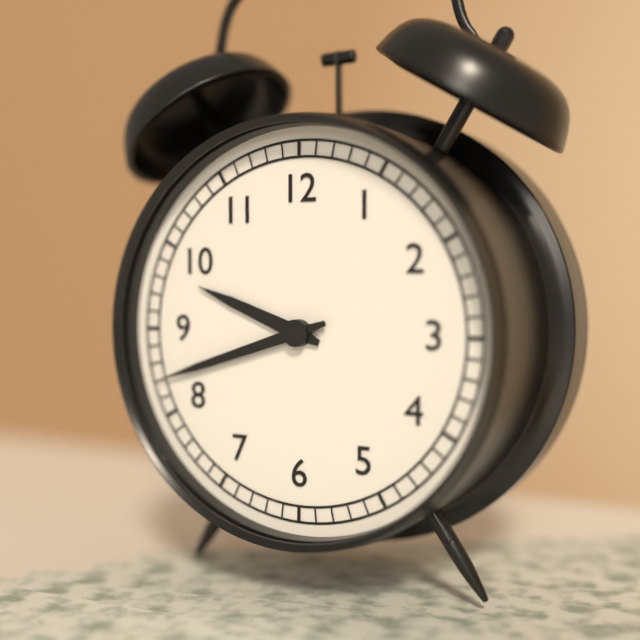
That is h=9 m=42
